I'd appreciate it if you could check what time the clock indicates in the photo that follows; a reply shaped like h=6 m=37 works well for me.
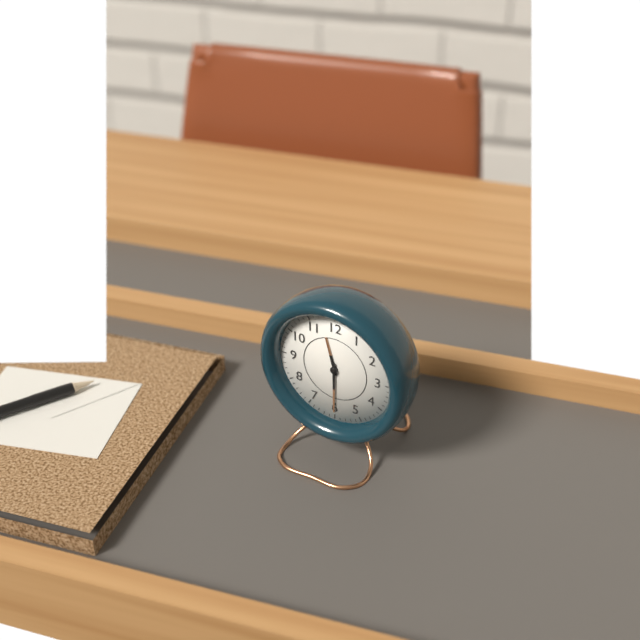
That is h=11 m=30
